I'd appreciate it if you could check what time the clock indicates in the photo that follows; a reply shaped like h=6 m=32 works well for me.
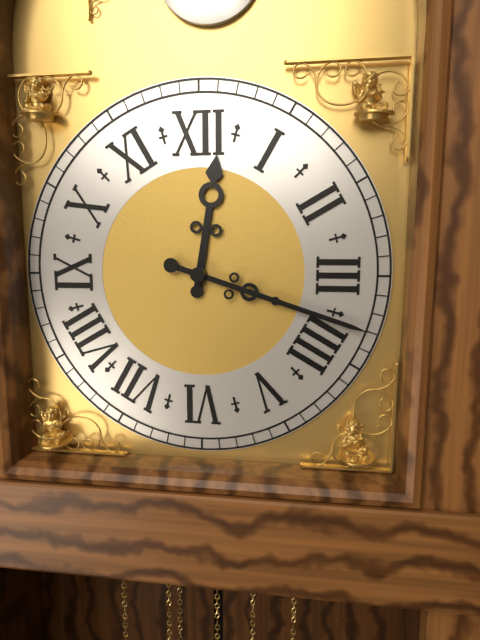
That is h=12 m=18
